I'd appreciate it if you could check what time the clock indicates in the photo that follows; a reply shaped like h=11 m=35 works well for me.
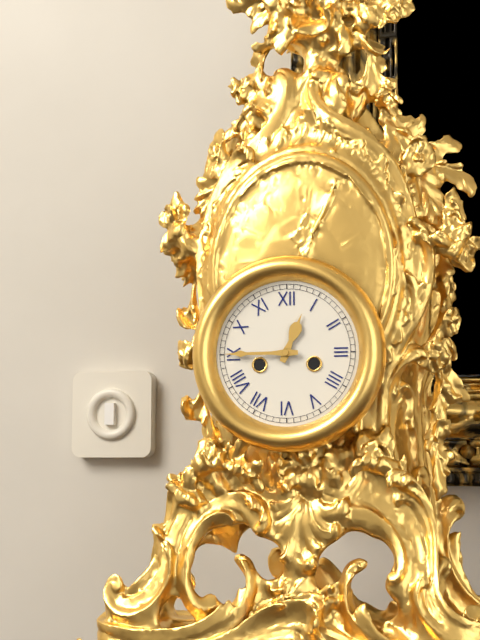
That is h=12 m=45
